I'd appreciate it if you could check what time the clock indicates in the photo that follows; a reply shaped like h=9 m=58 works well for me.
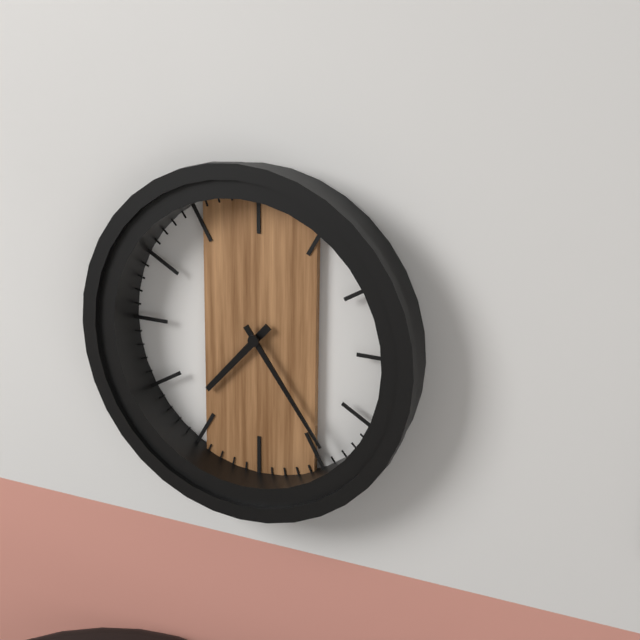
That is h=7 m=24
